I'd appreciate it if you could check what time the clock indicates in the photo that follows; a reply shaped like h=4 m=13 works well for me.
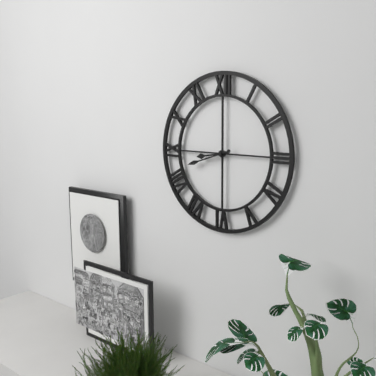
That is h=8 m=42
